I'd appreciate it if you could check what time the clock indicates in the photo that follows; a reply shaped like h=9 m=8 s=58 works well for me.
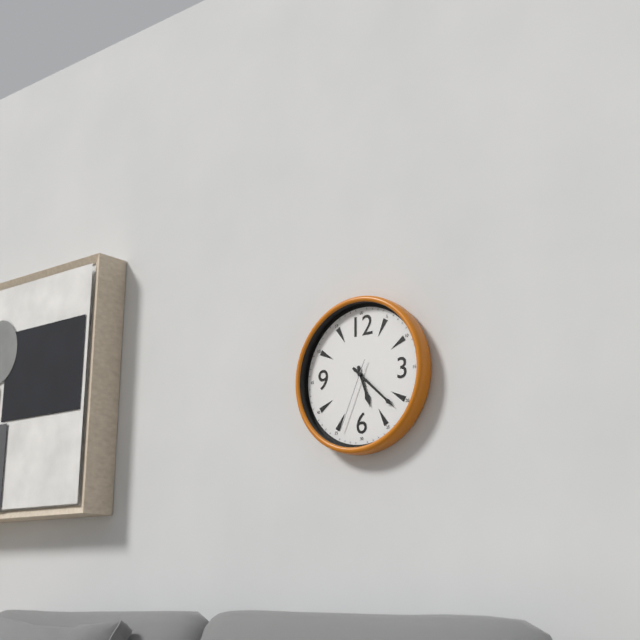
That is h=5 m=22 s=34
